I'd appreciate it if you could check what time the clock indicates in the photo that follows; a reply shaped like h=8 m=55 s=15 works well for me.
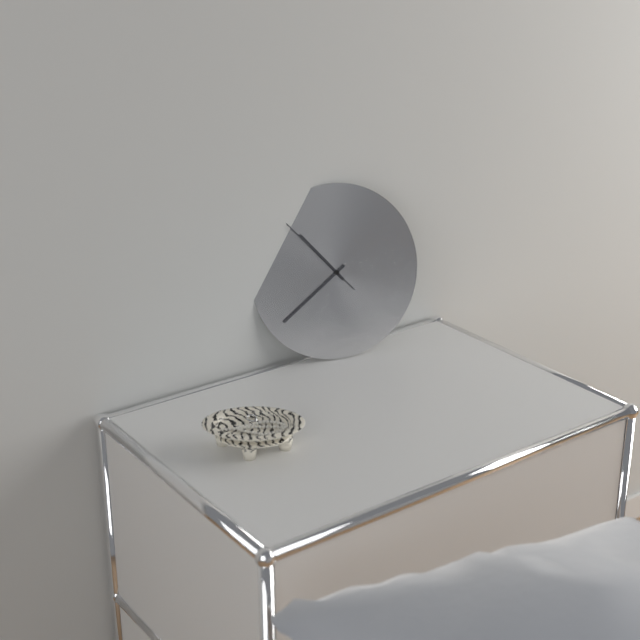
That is h=10 m=39 s=53
